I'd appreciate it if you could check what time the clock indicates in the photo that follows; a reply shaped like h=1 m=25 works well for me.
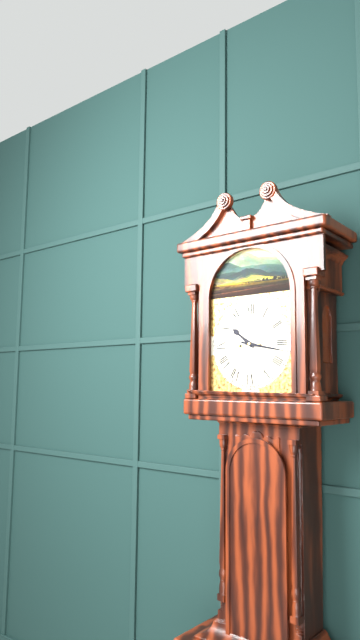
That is h=10 m=17
